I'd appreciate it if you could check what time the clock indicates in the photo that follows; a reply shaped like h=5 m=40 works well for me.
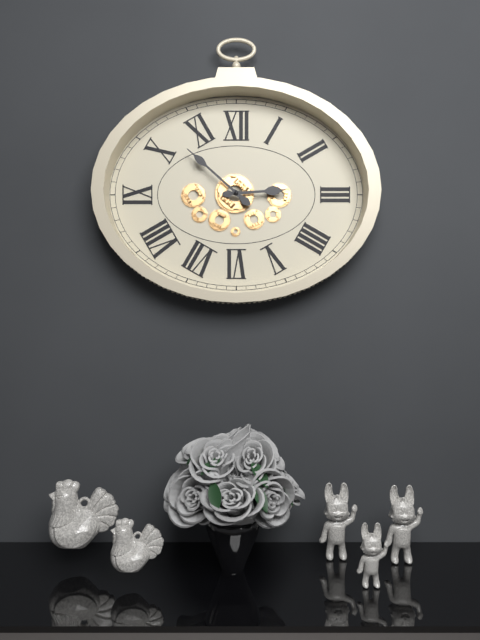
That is h=2 m=52
